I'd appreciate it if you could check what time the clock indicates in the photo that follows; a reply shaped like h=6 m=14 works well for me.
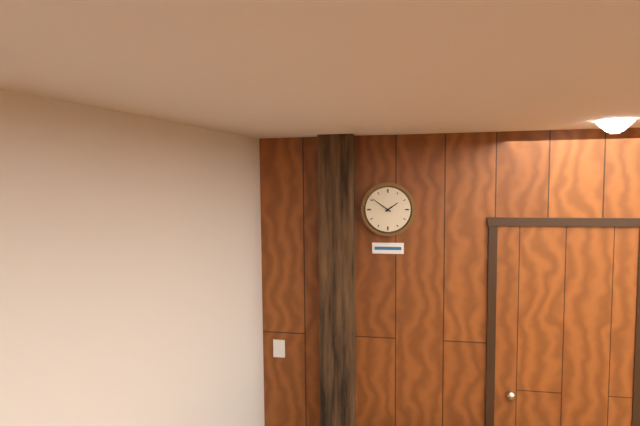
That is h=1 m=51
